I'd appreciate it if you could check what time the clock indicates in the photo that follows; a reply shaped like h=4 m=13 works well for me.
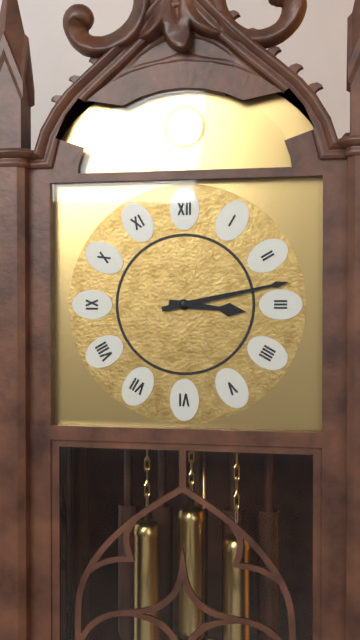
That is h=3 m=13
